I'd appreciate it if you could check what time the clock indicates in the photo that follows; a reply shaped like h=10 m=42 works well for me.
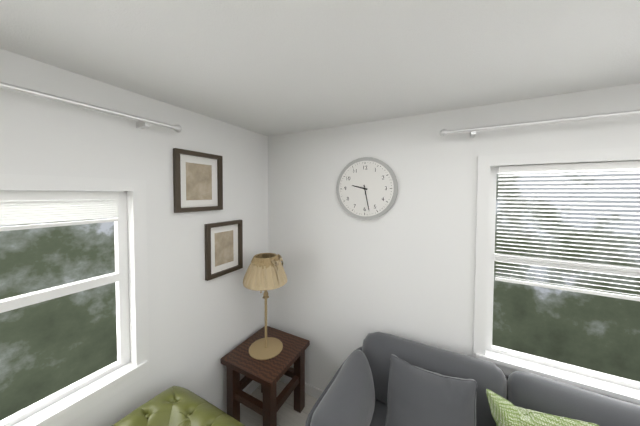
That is h=9 m=28
